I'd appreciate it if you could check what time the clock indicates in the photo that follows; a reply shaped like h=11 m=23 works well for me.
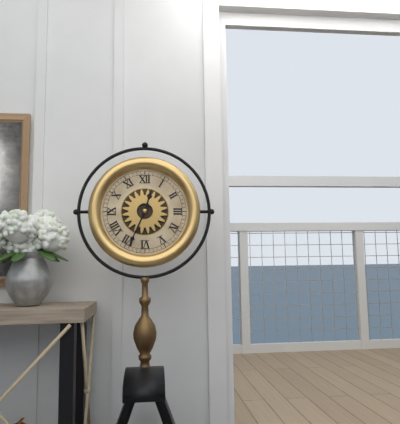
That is h=12 m=34
